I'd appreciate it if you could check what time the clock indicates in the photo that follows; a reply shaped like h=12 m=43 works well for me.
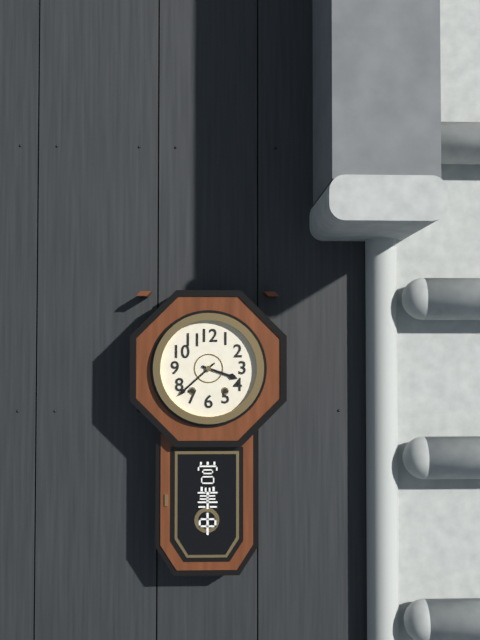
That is h=3 m=38
